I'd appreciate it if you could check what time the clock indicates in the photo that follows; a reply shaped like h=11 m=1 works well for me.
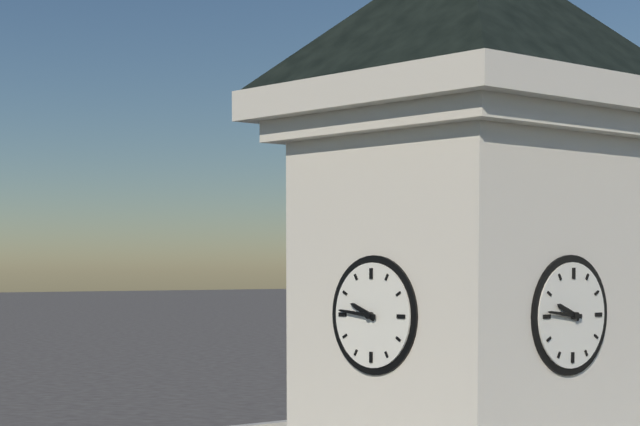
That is h=9 m=46
